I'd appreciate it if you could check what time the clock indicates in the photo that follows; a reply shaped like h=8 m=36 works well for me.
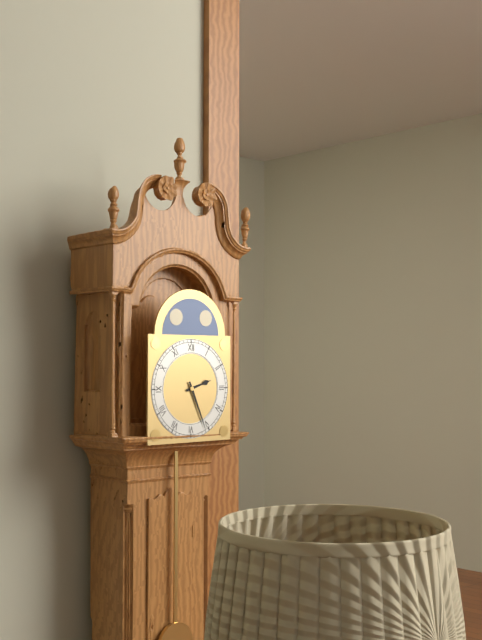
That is h=2 m=26
